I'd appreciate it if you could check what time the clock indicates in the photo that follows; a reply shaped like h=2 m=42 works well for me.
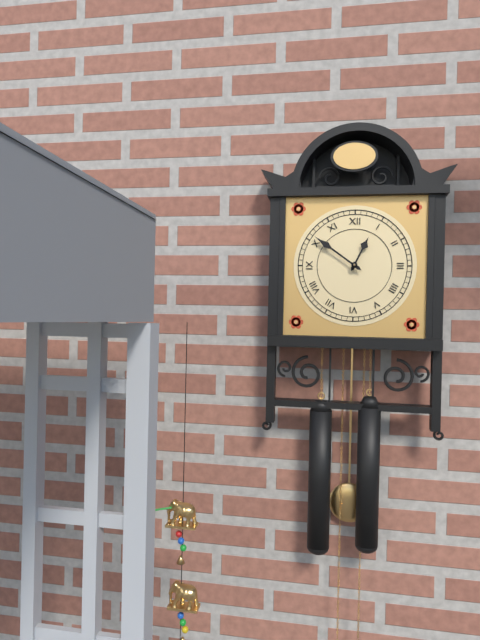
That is h=12 m=51
